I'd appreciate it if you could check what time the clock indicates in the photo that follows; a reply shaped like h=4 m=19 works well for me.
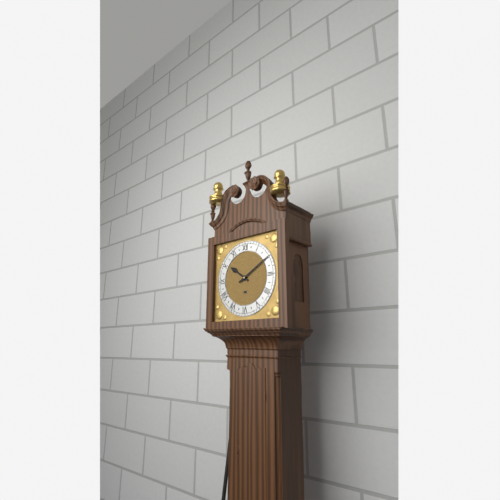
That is h=10 m=10
